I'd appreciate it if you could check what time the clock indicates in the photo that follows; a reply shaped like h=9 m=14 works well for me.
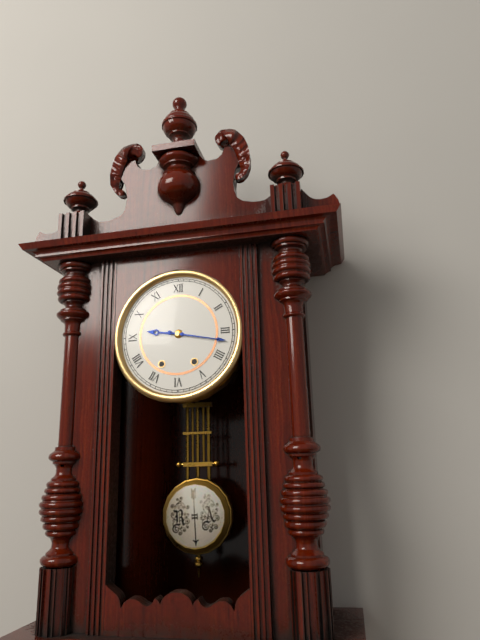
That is h=9 m=17
